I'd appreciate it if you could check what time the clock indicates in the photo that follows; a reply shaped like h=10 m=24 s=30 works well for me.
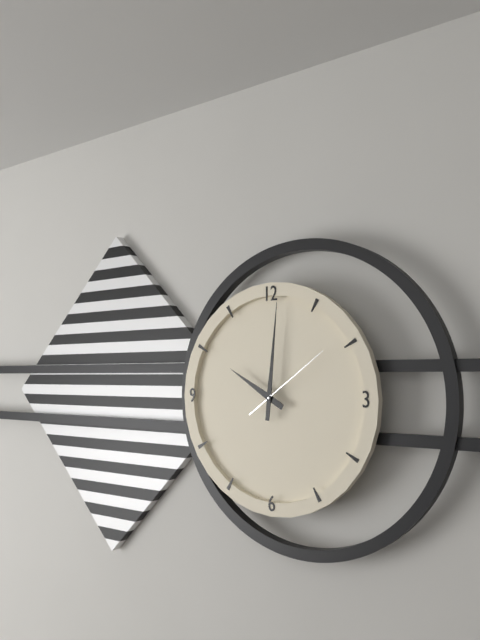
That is h=10 m=1 s=9
